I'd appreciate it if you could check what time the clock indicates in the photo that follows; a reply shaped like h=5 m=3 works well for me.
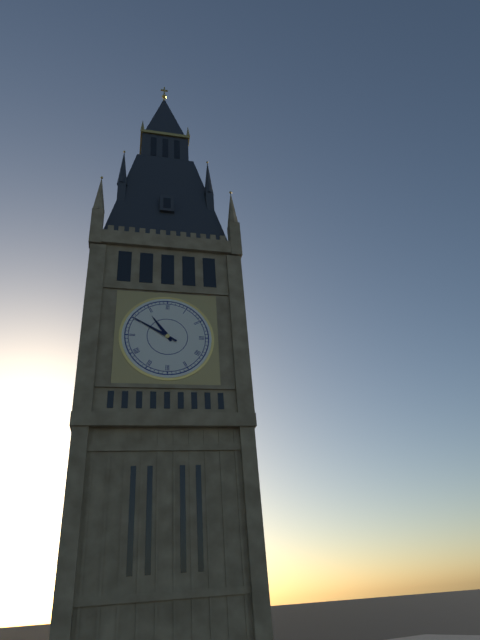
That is h=10 m=50
